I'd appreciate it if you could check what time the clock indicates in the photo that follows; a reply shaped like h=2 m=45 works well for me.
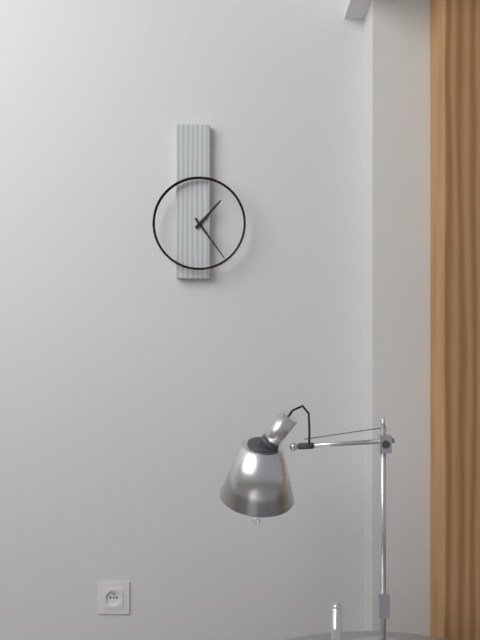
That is h=1 m=24
